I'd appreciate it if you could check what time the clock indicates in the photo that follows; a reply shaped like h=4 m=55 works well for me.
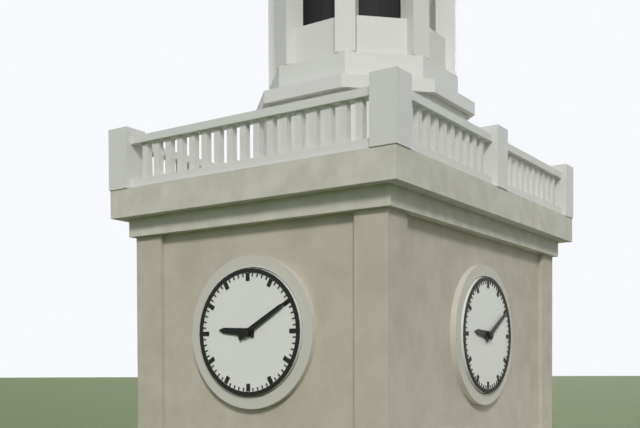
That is h=9 m=10
